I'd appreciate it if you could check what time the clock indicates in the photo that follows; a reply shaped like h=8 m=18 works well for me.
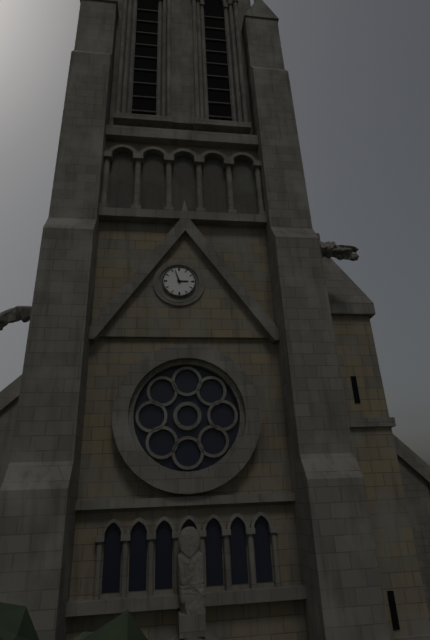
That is h=2 m=57
